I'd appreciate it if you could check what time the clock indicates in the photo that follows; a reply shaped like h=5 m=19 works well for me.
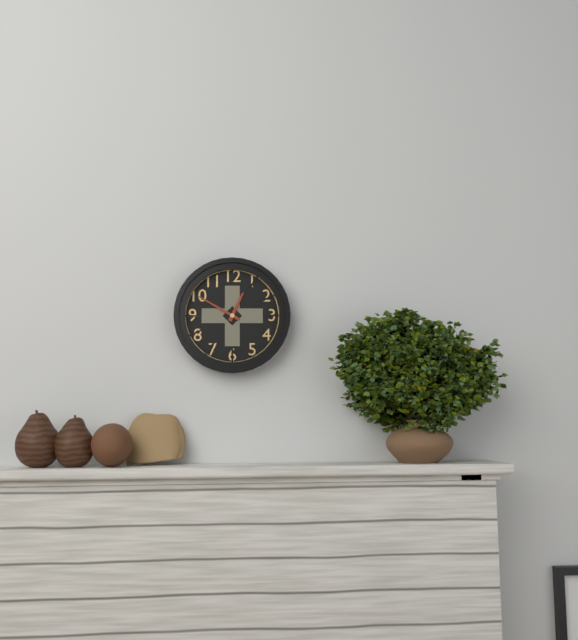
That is h=12 m=50
